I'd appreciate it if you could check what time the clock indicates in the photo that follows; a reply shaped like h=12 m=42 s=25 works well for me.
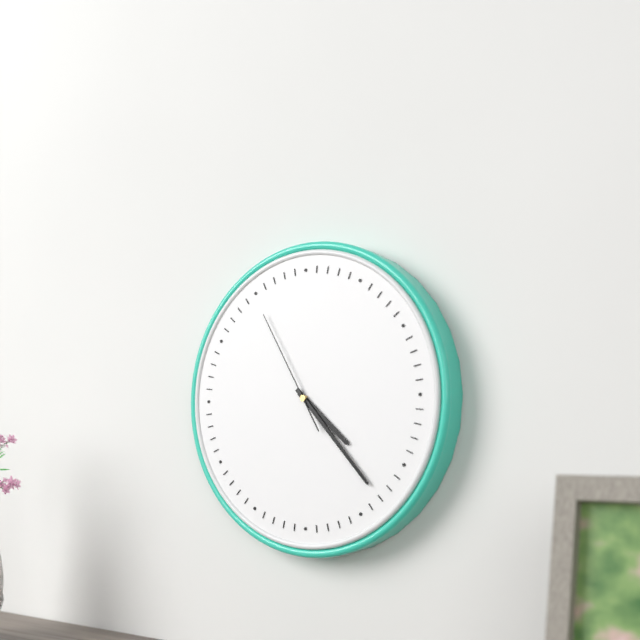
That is h=4 m=23 s=55
